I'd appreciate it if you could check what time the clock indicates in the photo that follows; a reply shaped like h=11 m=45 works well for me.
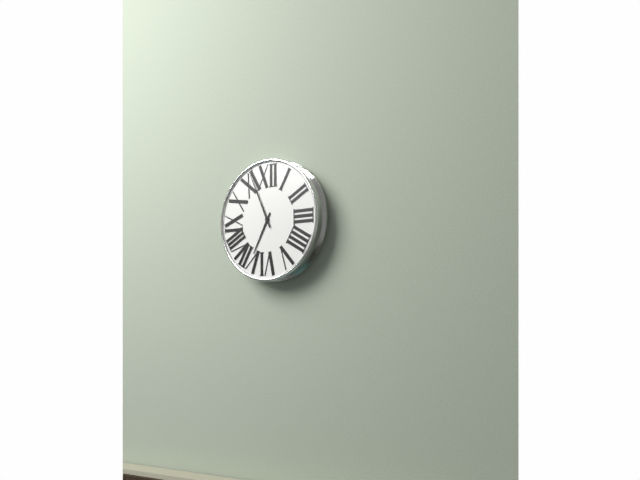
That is h=6 m=56
